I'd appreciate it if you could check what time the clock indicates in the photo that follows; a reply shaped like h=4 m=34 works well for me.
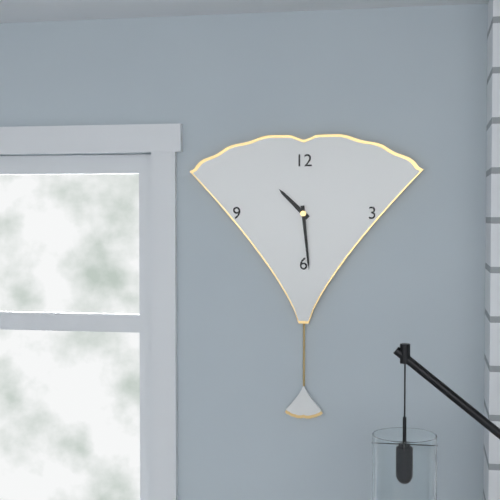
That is h=10 m=29
